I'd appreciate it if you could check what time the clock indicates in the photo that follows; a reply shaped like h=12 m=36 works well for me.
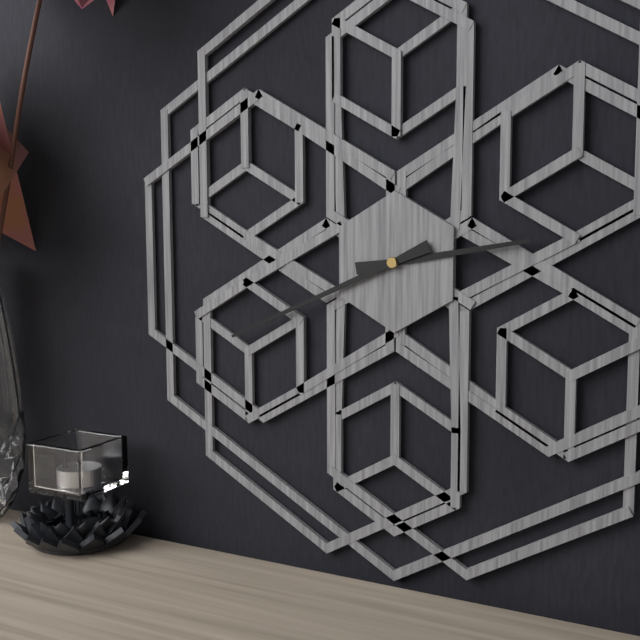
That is h=2 m=41
